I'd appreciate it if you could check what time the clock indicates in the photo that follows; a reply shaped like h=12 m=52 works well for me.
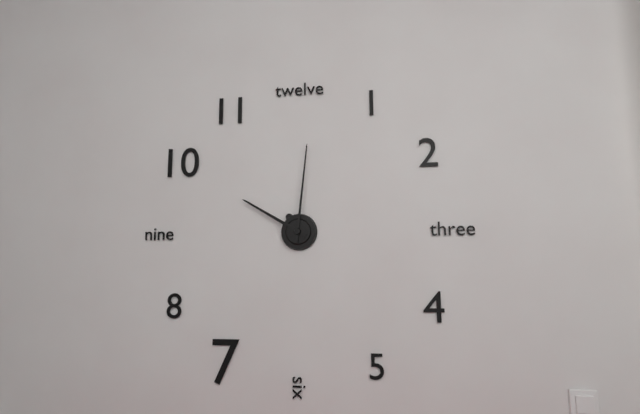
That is h=10 m=1
